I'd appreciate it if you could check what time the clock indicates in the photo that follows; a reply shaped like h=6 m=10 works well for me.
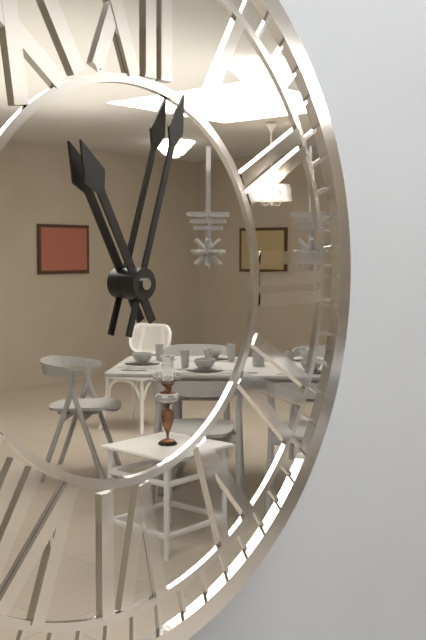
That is h=11 m=3
